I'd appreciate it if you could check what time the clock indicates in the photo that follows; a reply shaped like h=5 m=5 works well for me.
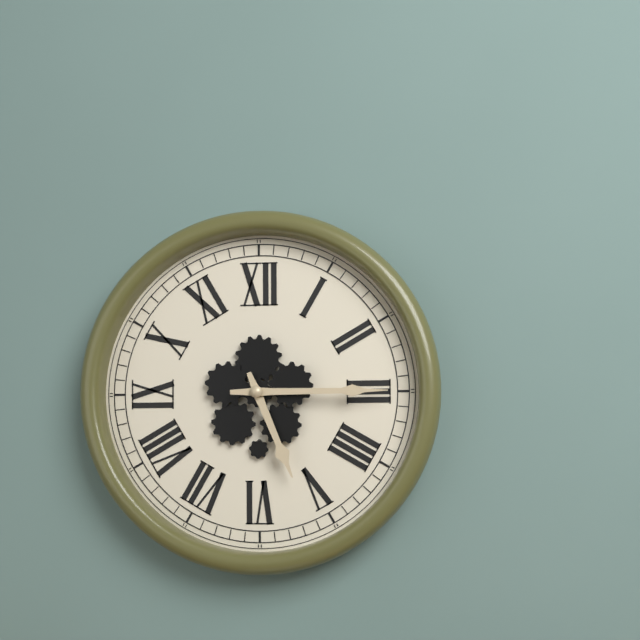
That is h=5 m=15
